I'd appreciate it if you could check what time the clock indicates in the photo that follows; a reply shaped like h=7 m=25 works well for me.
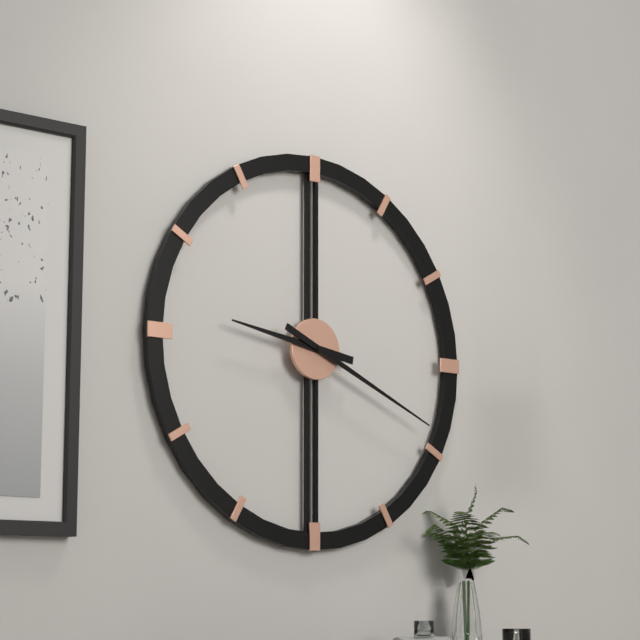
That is h=9 m=19
